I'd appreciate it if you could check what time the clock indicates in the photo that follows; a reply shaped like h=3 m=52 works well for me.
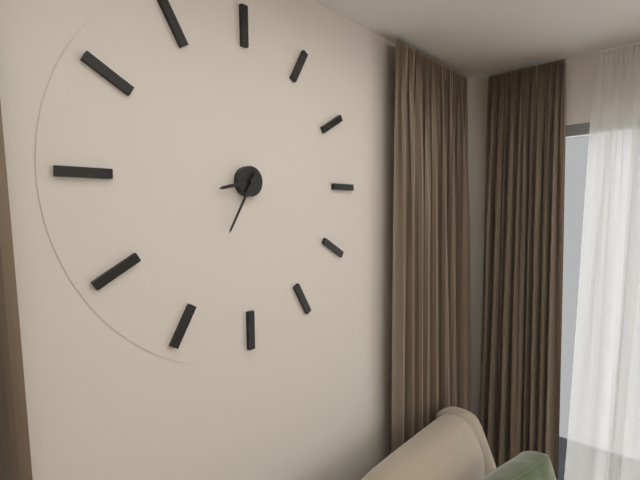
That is h=8 m=35
